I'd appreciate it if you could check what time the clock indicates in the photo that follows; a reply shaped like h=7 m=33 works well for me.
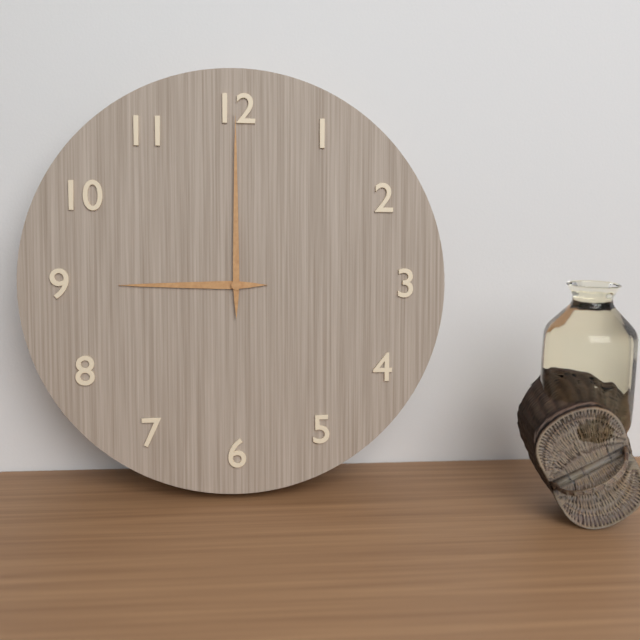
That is h=9 m=0
